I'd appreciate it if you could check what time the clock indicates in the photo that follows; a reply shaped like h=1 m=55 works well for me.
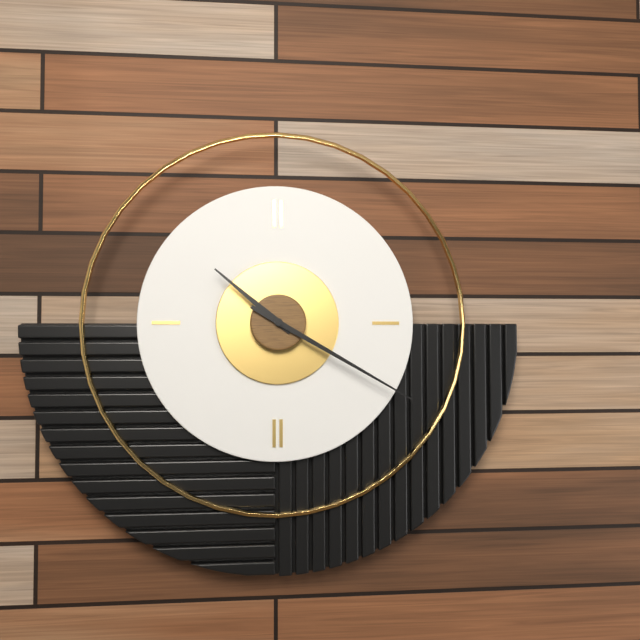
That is h=10 m=20
